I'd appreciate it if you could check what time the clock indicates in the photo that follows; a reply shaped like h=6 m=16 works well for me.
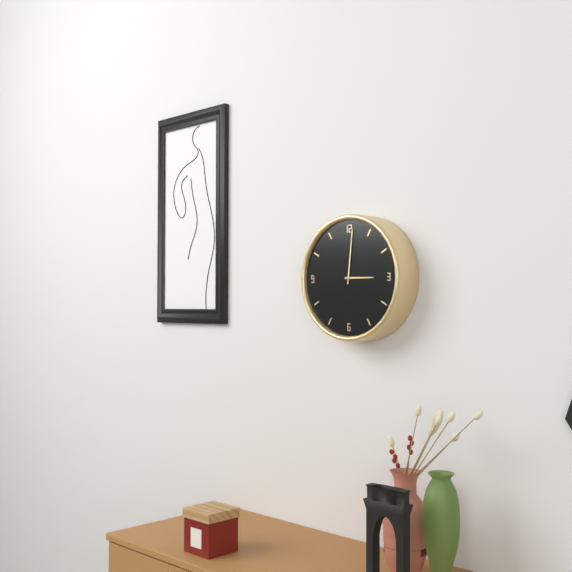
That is h=3 m=1
